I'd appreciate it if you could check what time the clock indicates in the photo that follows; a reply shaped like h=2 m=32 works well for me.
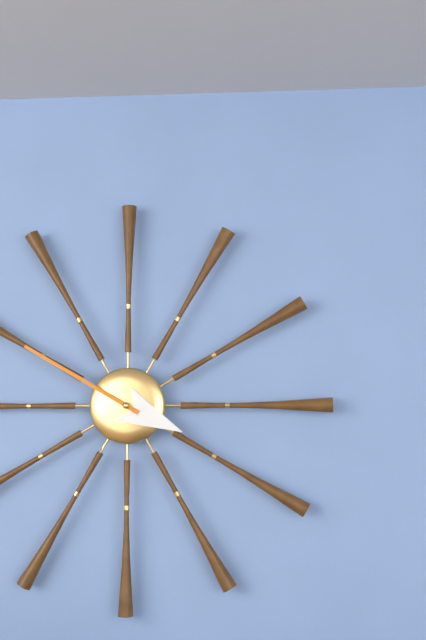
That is h=3 m=50
